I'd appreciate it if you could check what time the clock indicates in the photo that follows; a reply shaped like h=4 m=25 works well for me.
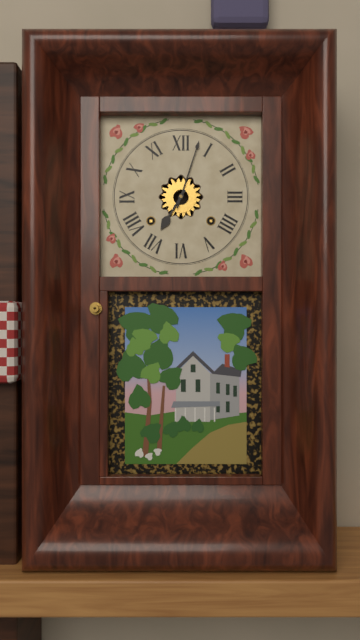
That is h=7 m=3
